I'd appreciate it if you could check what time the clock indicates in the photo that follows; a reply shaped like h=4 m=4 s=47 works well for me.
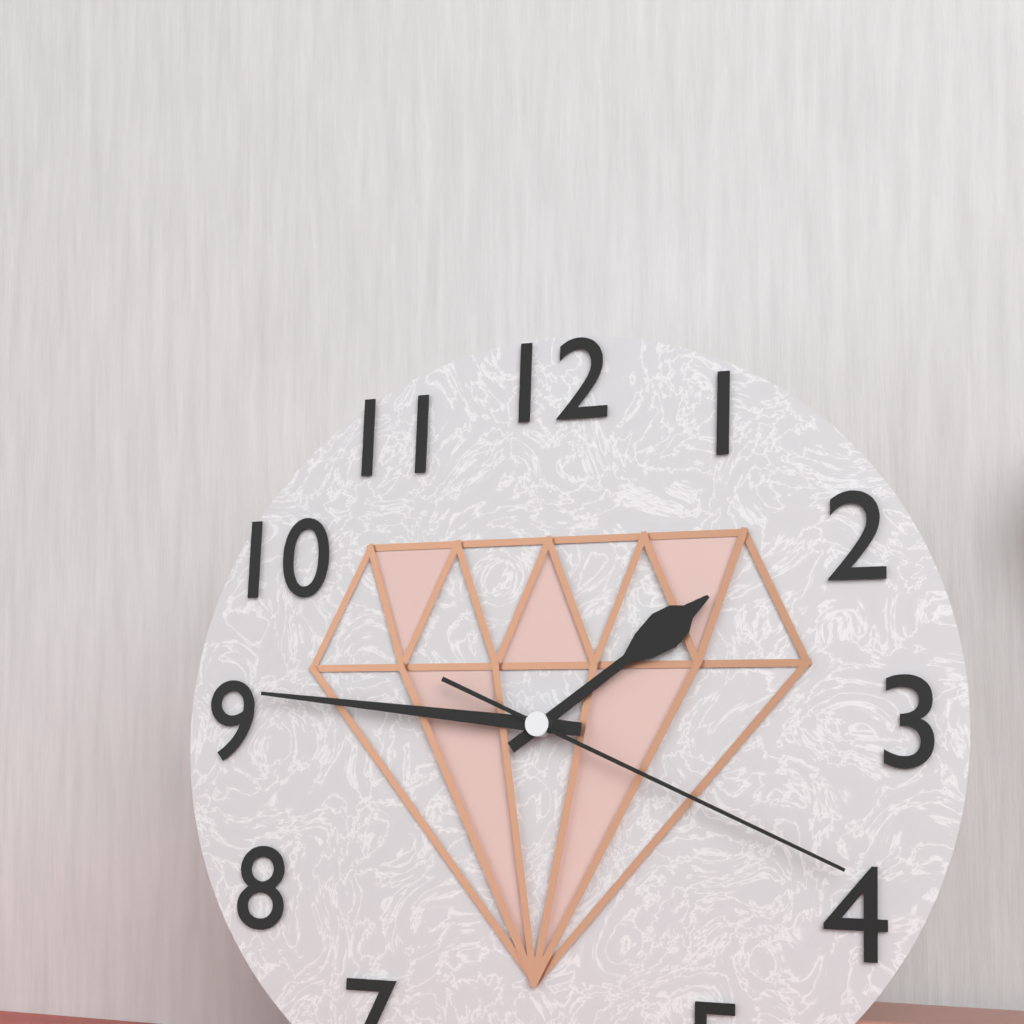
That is h=1 m=46 s=19
